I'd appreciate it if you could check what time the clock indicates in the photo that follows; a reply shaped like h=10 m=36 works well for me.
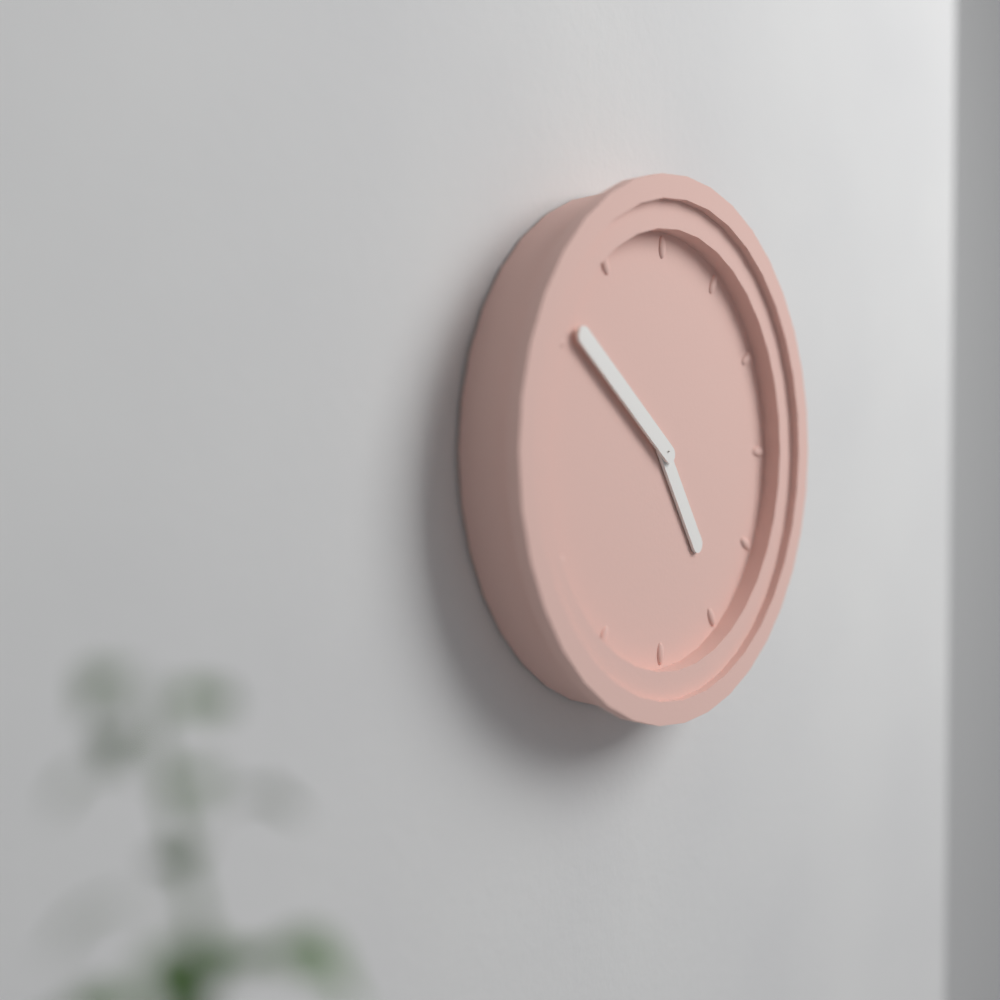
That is h=4 m=51
